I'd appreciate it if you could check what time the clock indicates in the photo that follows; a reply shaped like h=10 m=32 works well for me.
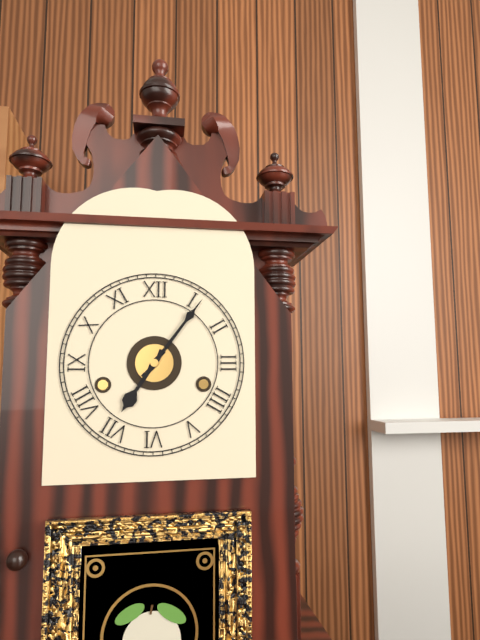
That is h=7 m=6
